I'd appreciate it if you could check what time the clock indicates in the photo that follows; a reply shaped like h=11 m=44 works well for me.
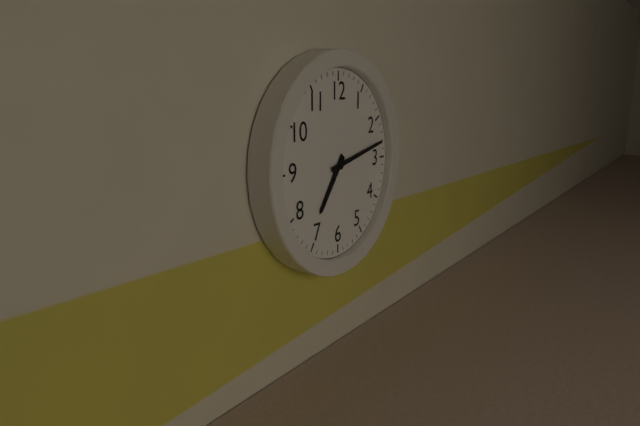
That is h=7 m=13
